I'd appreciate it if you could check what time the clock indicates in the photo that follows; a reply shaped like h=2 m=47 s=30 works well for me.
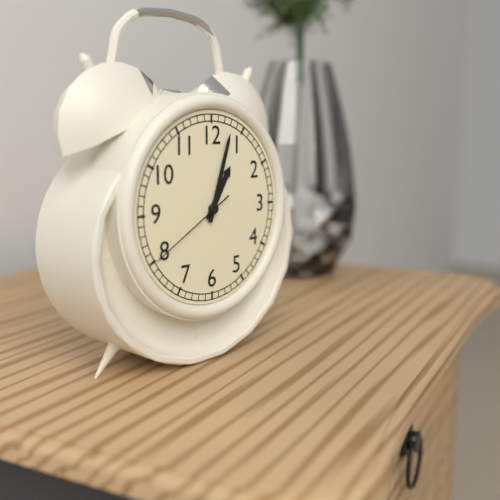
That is h=1 m=3 s=40
